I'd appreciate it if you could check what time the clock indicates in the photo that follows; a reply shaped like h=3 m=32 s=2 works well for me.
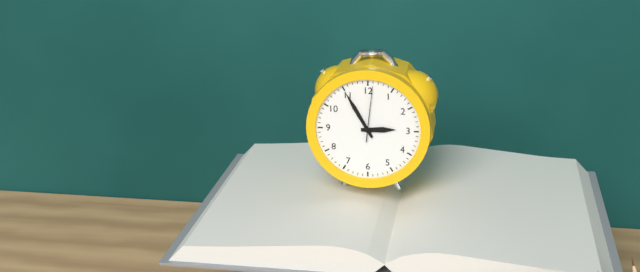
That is h=2 m=55 s=1
